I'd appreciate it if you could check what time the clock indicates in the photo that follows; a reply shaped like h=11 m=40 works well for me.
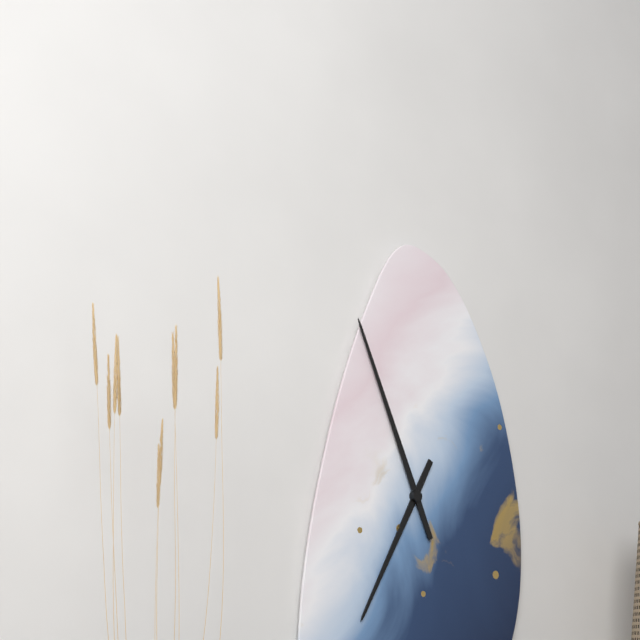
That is h=6 m=56
